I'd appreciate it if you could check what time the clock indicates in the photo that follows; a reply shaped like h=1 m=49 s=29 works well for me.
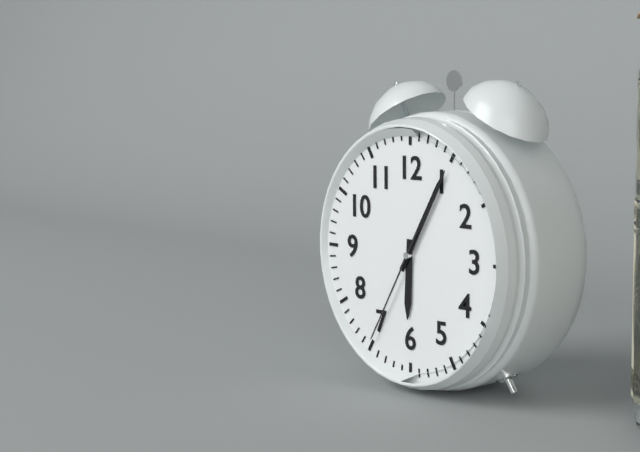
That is h=6 m=5 s=35
